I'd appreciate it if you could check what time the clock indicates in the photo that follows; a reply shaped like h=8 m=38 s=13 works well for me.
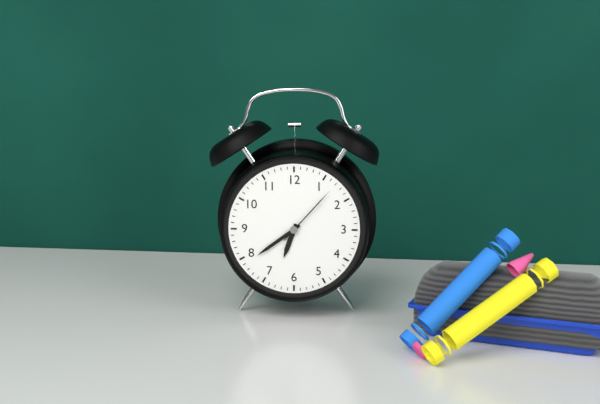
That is h=6 m=39 s=7
